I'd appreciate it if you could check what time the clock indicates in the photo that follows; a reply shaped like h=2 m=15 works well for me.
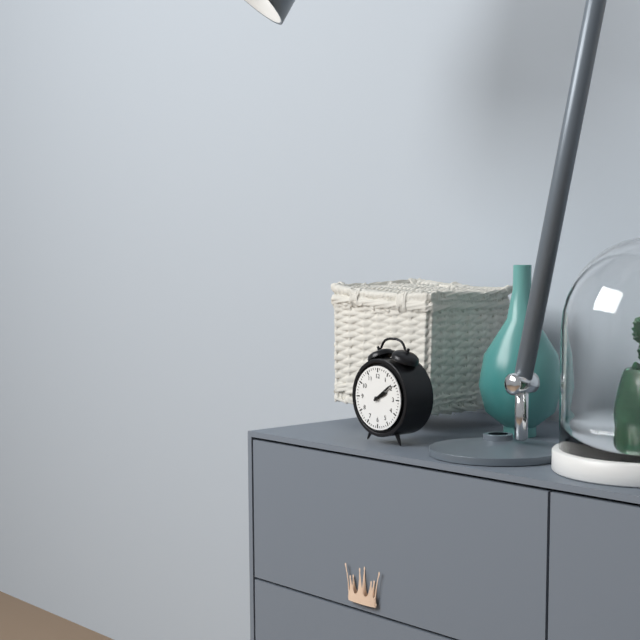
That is h=2 m=9
